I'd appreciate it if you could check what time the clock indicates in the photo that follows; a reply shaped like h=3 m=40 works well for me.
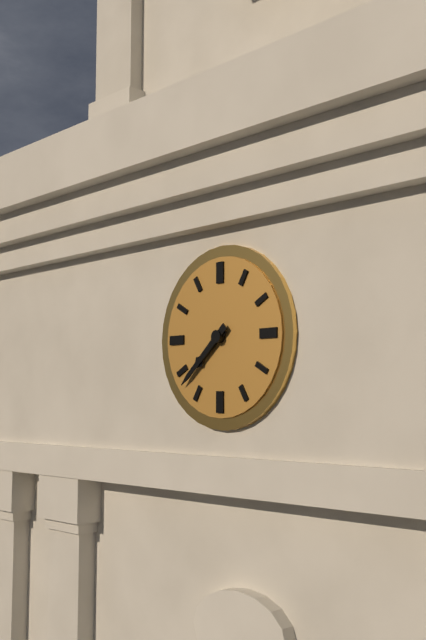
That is h=7 m=38
